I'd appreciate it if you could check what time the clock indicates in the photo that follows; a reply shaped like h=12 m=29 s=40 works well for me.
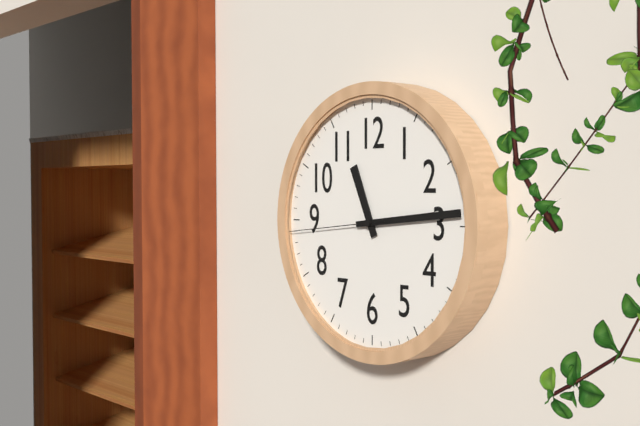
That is h=11 m=14 s=44
